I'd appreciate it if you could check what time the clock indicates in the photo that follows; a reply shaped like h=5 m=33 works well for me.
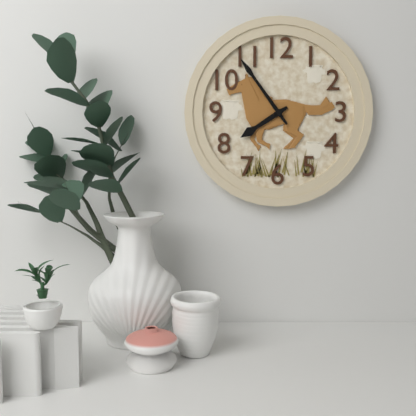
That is h=7 m=54
